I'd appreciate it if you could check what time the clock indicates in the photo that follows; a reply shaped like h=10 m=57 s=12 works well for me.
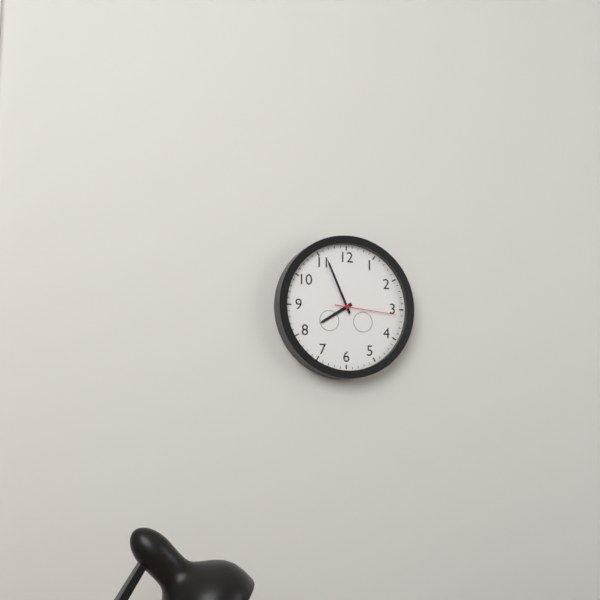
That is h=7 m=56 s=16
